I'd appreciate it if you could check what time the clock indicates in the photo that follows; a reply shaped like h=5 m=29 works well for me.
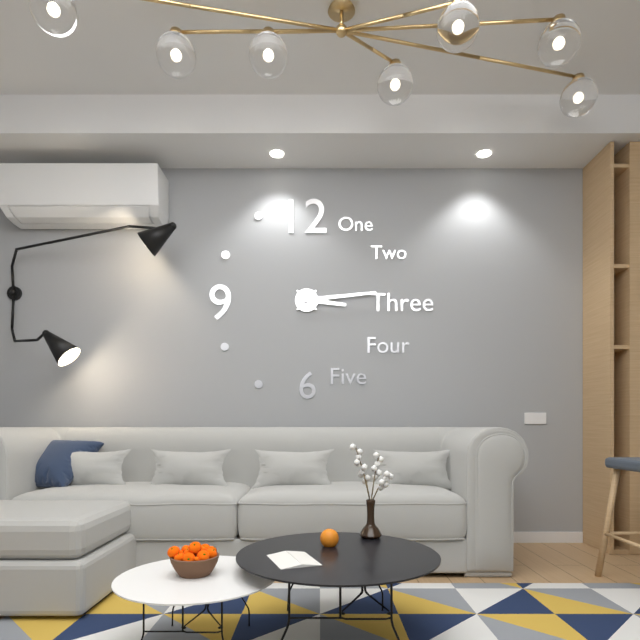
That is h=3 m=14
